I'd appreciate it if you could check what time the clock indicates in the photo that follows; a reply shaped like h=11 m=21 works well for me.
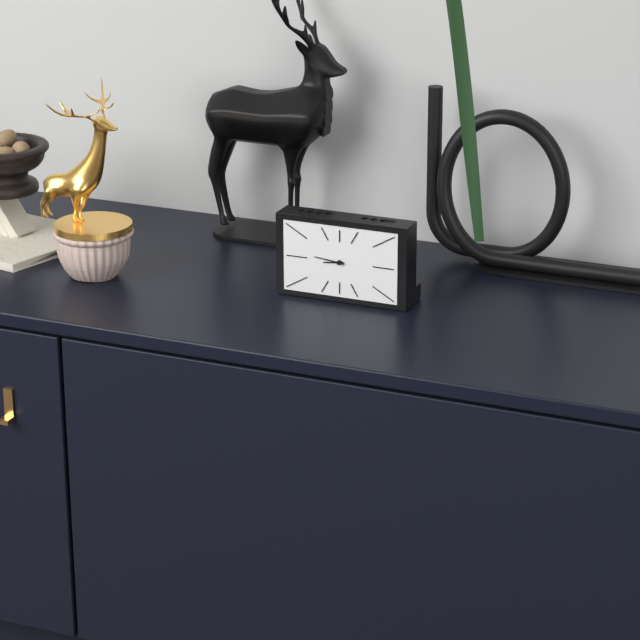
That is h=8 m=46
